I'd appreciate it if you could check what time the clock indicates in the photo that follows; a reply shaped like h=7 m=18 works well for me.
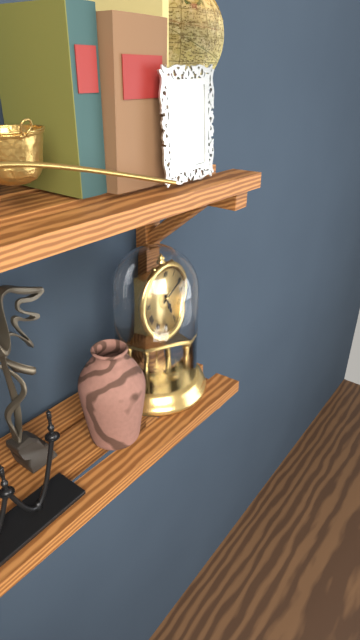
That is h=5 m=10
